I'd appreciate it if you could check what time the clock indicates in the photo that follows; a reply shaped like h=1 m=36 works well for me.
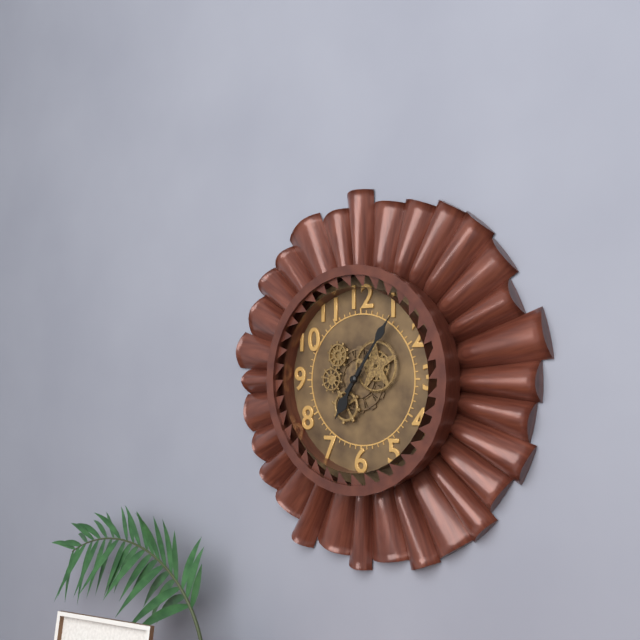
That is h=7 m=6
